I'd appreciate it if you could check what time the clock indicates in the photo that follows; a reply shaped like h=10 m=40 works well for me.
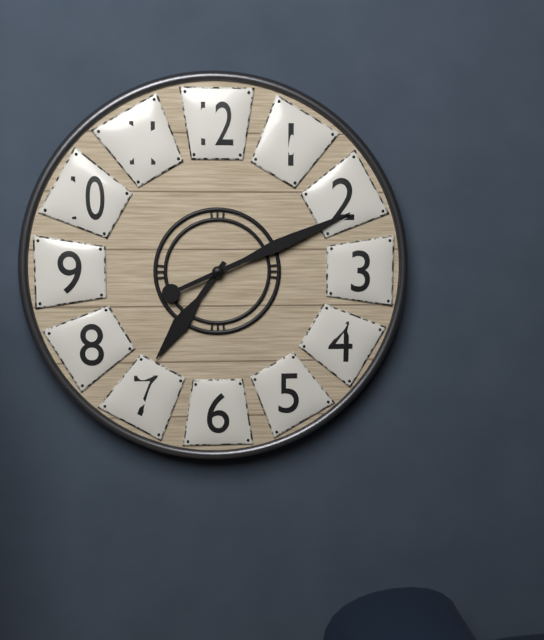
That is h=7 m=11
